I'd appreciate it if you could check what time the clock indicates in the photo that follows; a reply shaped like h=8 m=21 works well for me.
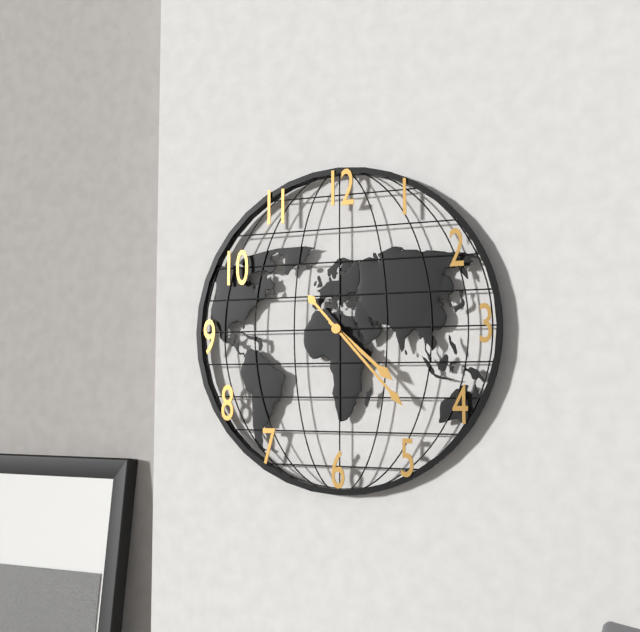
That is h=4 m=23
